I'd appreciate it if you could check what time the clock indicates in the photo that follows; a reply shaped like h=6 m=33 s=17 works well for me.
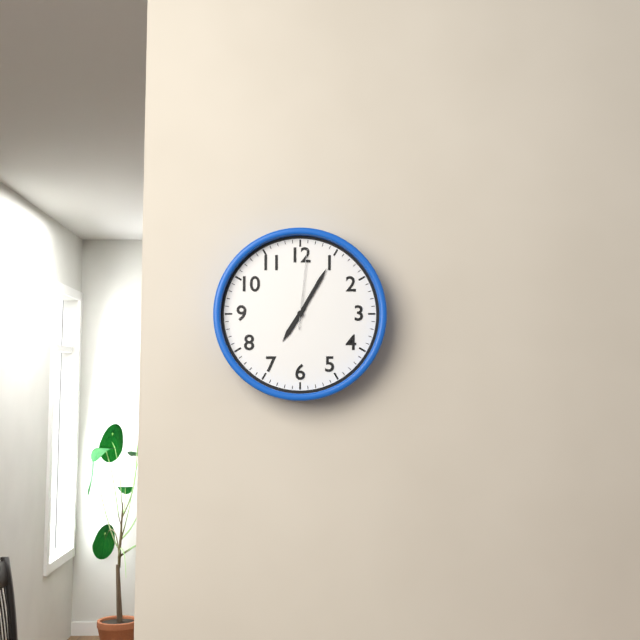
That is h=7 m=5 s=1
